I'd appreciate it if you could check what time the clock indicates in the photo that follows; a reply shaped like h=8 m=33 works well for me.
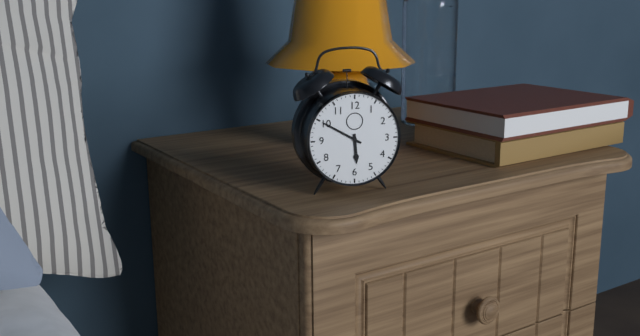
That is h=5 m=50
